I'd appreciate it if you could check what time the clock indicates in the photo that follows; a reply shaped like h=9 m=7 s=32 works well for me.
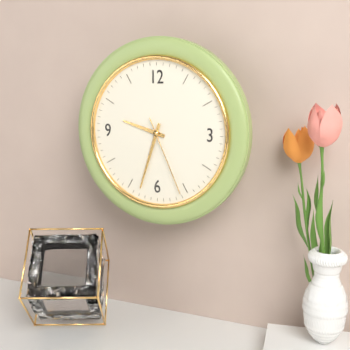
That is h=9 m=33 s=26
